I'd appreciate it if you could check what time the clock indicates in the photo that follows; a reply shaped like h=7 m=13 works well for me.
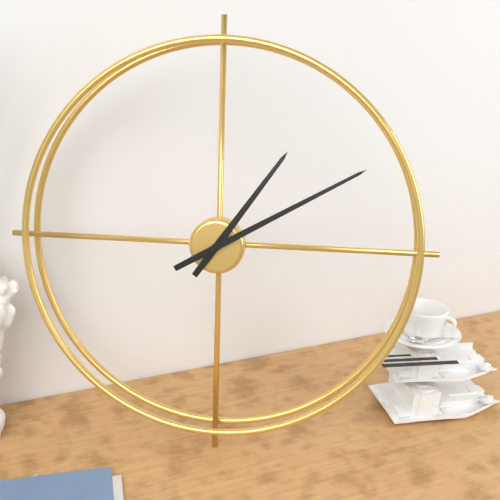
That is h=1 m=10
